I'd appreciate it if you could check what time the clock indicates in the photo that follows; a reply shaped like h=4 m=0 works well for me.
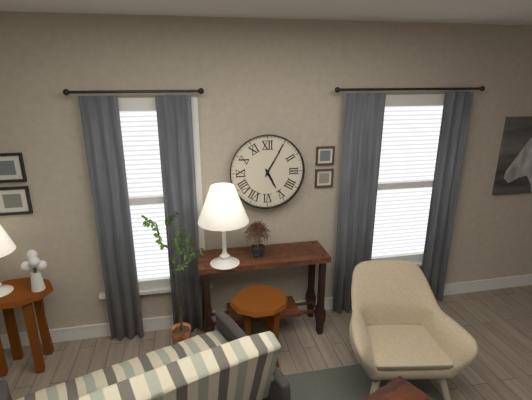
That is h=5 m=5
